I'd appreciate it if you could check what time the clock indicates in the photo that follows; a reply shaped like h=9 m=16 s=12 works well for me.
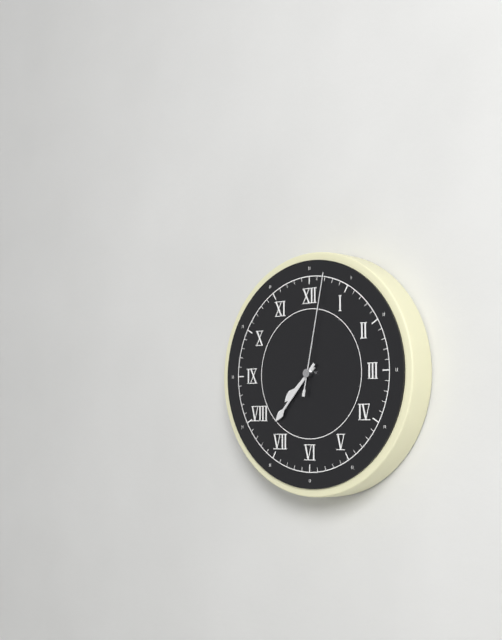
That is h=7 m=37 s=2
